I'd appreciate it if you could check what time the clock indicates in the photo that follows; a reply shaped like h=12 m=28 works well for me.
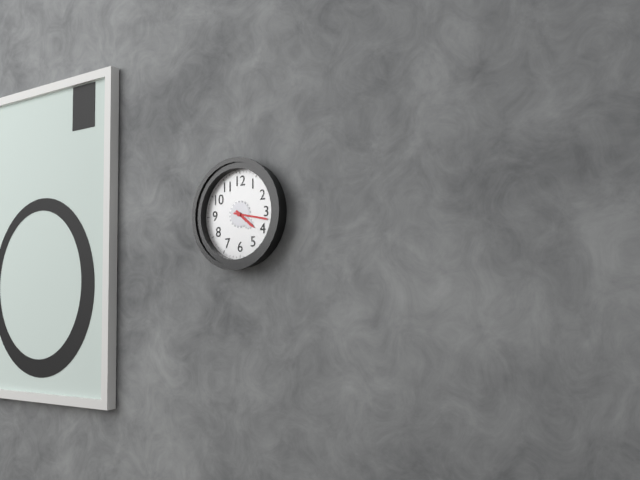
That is h=4 m=17
